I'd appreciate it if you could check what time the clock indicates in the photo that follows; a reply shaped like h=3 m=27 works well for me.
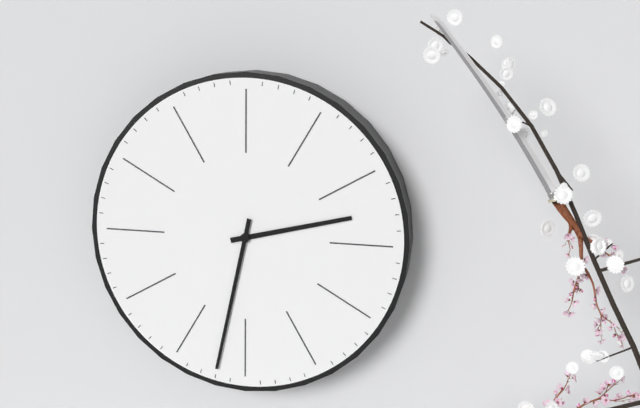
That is h=2 m=32
